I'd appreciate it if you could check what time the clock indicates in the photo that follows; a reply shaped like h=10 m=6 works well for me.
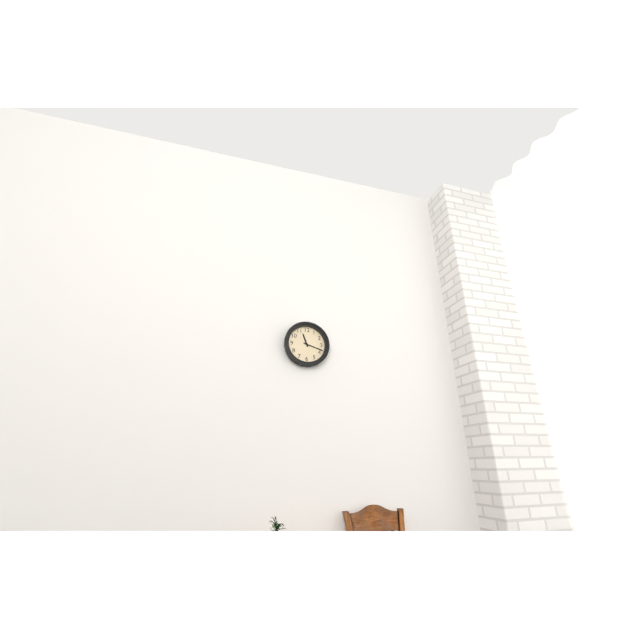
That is h=11 m=18
